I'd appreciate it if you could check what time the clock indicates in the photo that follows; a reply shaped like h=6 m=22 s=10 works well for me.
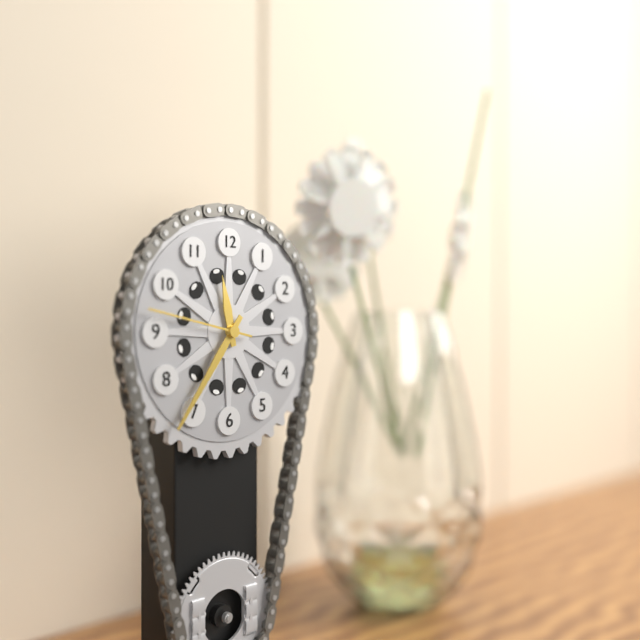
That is h=11 m=36 s=47
